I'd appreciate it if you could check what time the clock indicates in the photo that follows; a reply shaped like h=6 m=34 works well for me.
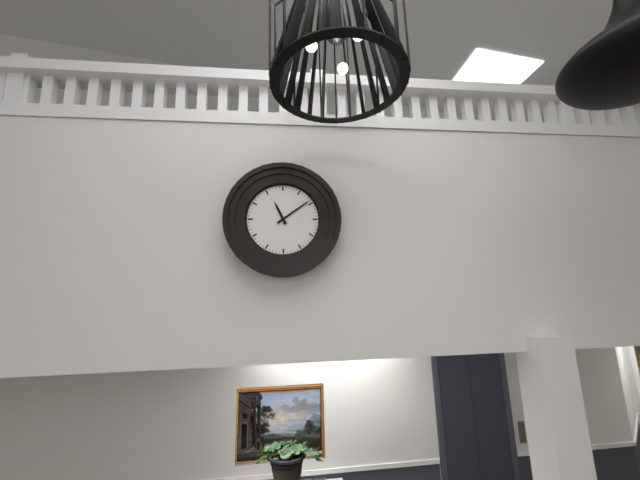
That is h=11 m=9
